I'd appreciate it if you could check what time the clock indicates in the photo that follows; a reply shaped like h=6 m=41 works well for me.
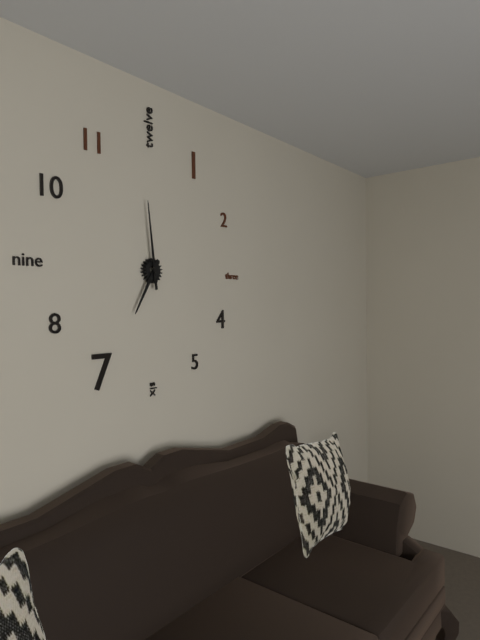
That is h=6 m=59
